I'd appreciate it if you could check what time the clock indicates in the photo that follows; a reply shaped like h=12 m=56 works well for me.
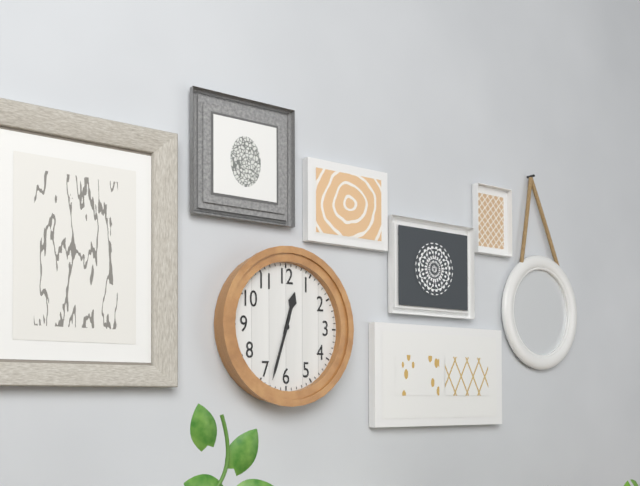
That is h=12 m=33
